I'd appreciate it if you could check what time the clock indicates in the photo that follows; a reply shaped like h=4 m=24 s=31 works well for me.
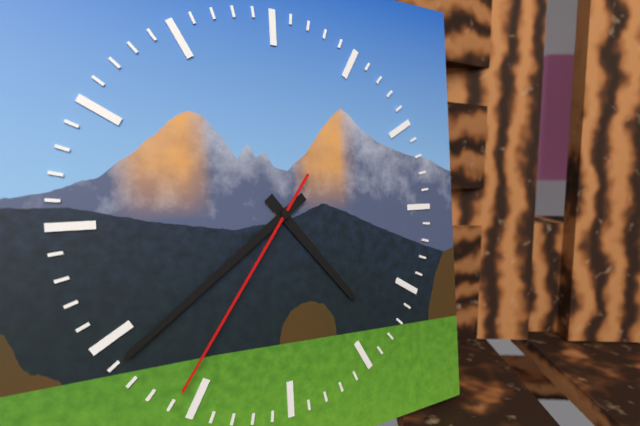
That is h=4 m=39 s=36
